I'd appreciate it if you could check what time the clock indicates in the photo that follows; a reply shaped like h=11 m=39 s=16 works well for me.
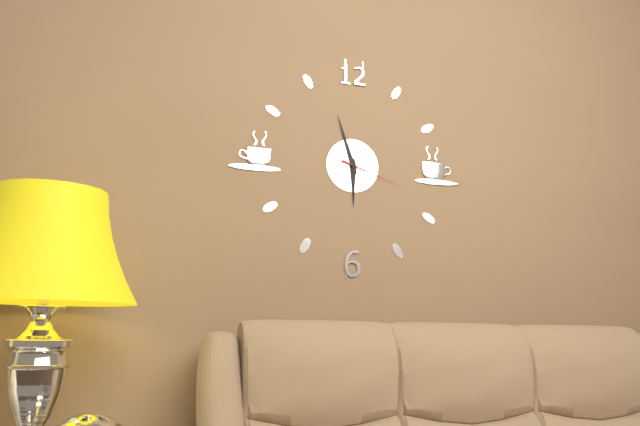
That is h=5 m=57 s=18
